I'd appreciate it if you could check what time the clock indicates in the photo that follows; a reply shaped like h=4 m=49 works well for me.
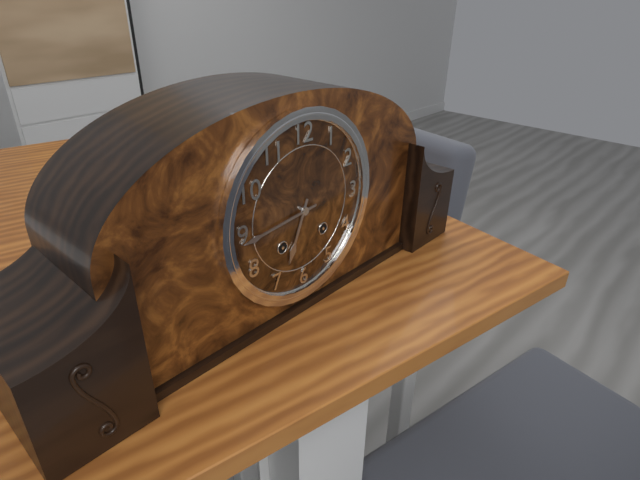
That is h=6 m=44
